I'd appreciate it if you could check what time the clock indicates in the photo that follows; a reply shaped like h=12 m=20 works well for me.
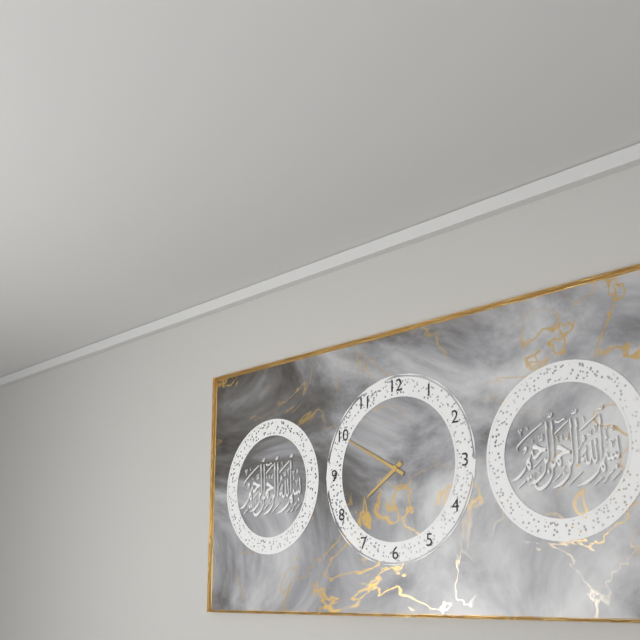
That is h=7 m=50
